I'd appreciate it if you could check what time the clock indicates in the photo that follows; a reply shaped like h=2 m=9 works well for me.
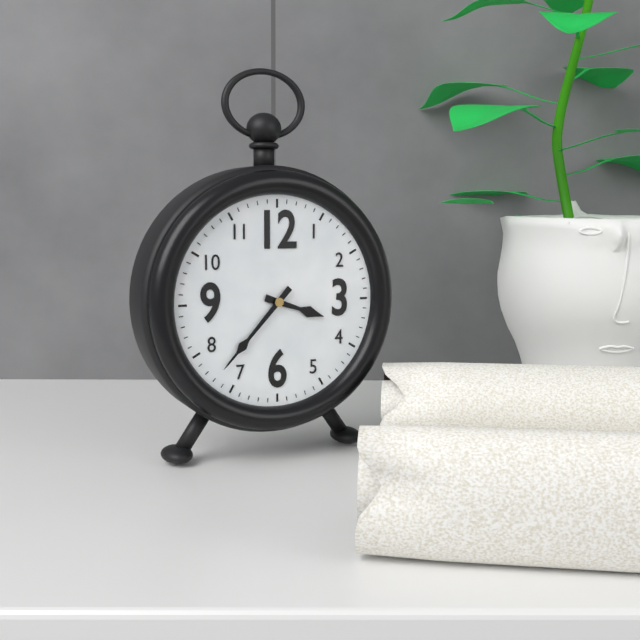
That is h=3 m=37
